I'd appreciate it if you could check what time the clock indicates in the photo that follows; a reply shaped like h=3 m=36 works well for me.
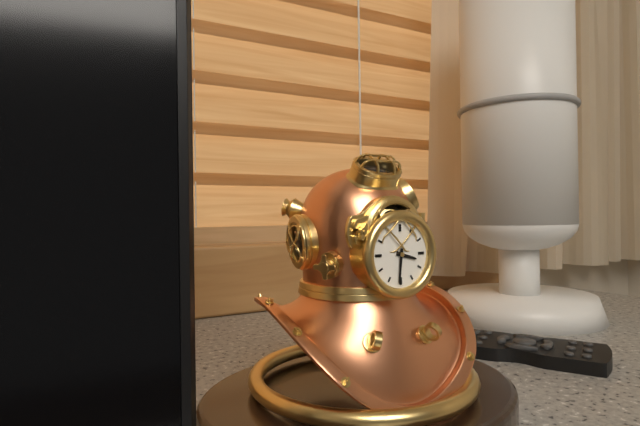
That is h=3 m=31
